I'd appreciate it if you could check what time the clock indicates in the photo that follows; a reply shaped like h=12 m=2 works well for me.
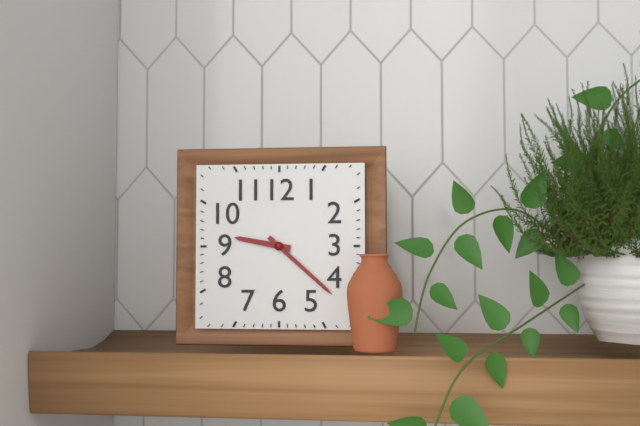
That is h=9 m=22
